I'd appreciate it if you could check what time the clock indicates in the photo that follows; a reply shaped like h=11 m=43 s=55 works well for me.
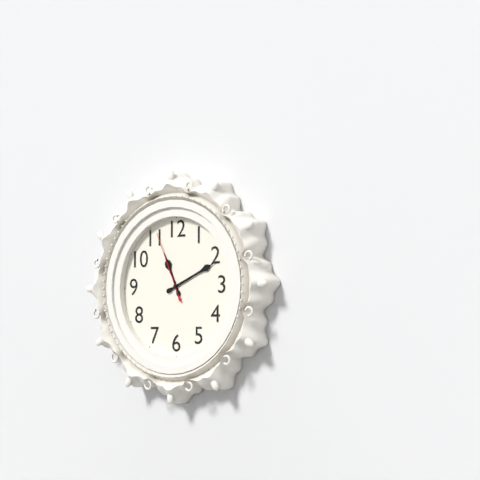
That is h=11 m=11 s=56
